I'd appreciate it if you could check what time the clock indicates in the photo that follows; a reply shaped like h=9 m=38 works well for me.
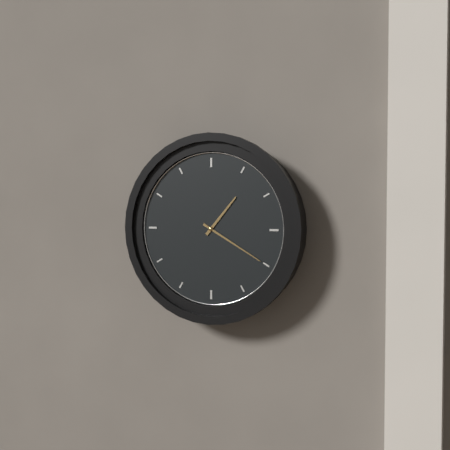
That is h=1 m=20
